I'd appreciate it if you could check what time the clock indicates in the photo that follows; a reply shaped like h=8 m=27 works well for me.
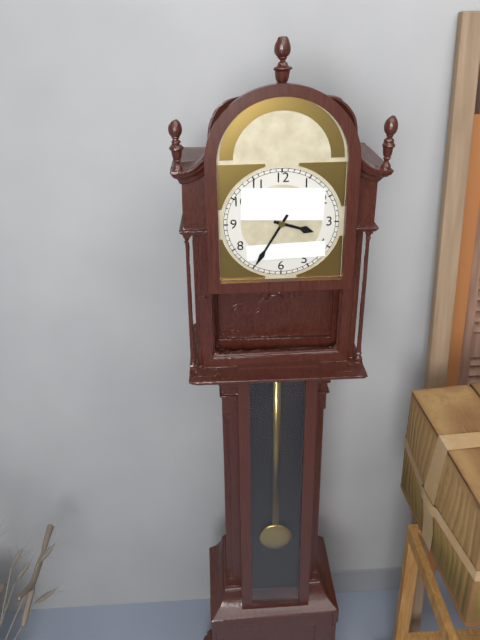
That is h=3 m=35
